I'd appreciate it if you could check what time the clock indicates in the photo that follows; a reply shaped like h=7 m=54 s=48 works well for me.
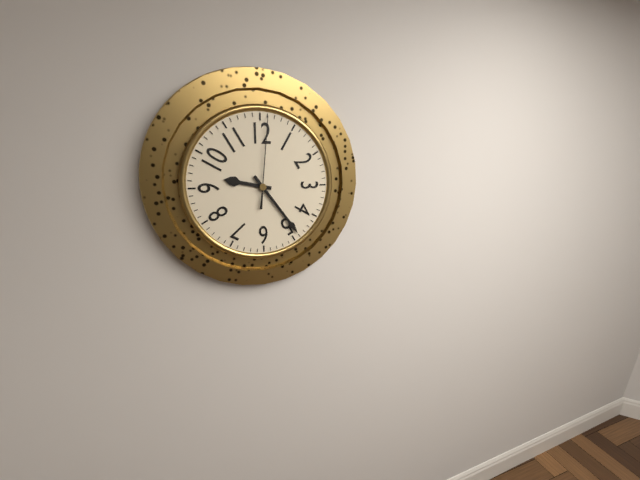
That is h=9 m=24 s=1
